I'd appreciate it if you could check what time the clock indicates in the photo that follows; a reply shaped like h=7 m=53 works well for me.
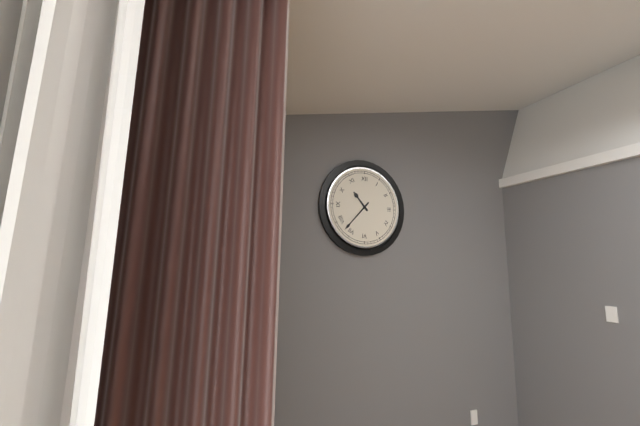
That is h=10 m=37
